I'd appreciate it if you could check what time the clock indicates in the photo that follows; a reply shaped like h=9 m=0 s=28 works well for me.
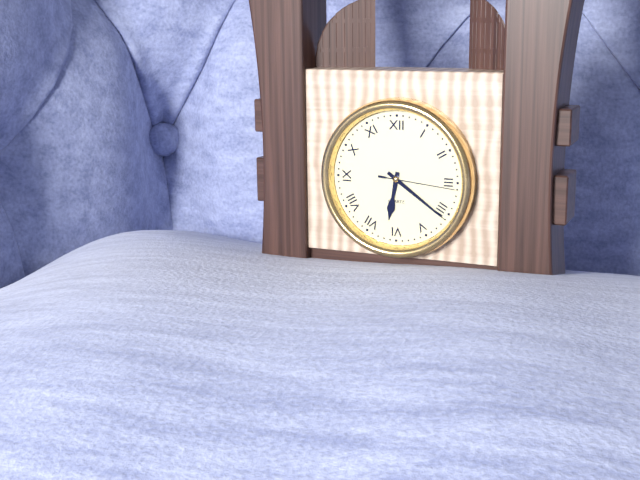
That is h=6 m=21 s=16
